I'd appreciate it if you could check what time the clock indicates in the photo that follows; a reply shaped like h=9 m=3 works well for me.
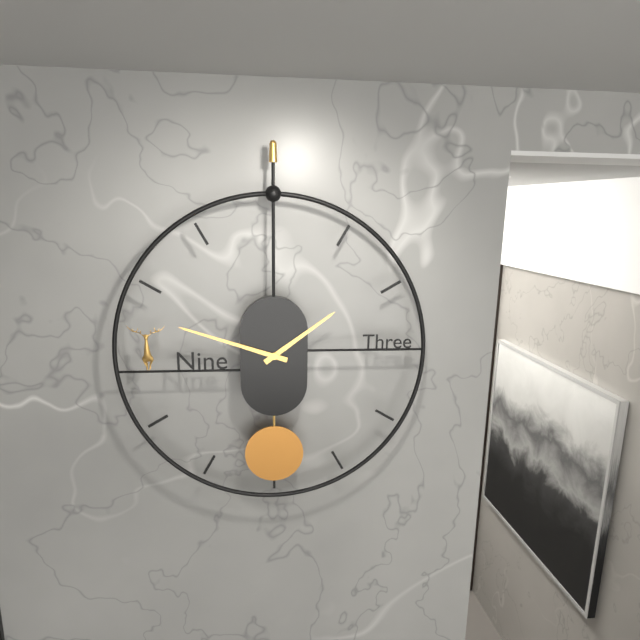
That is h=1 m=48
